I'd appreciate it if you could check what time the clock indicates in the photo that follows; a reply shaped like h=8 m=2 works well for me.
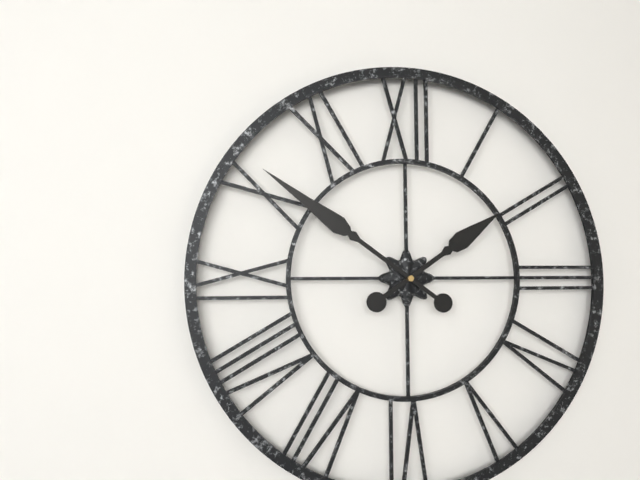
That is h=1 m=51
